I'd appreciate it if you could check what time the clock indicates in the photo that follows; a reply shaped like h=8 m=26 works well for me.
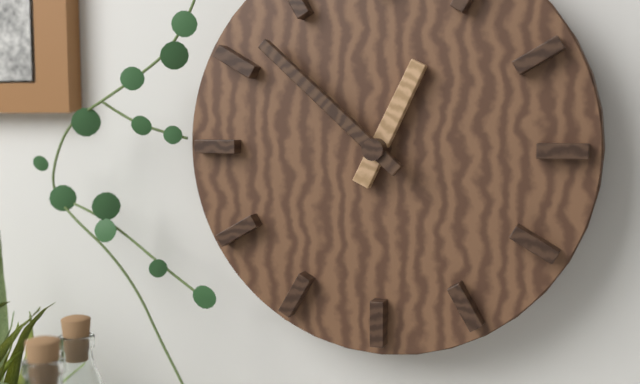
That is h=12 m=52
